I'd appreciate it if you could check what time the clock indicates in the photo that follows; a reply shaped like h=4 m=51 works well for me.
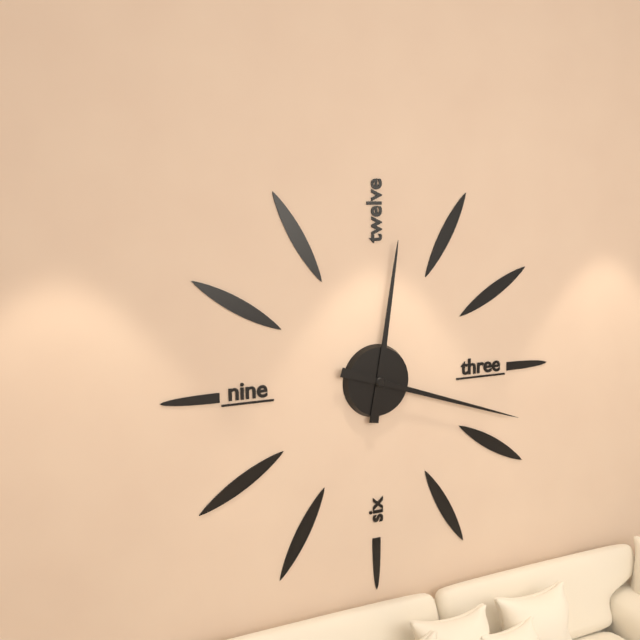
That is h=12 m=18
